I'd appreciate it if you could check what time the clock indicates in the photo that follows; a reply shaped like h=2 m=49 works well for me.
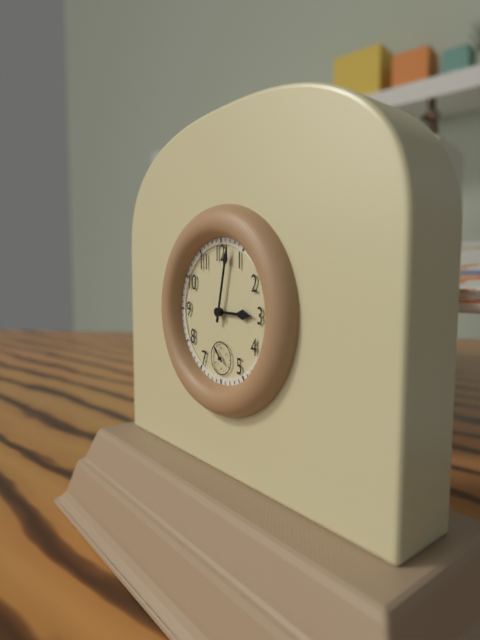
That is h=3 m=2
